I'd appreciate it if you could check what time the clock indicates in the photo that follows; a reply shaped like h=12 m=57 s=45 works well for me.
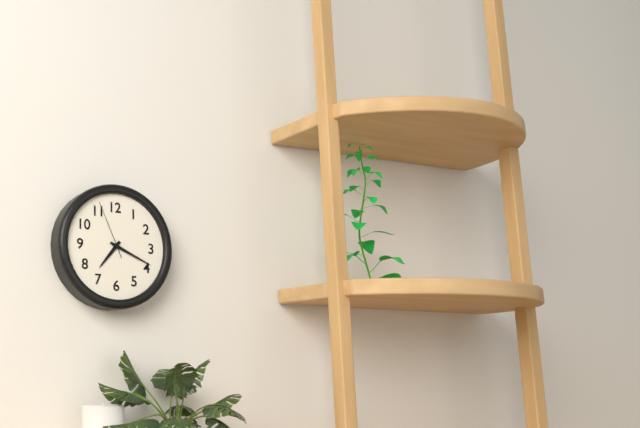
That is h=7 m=19 s=56
